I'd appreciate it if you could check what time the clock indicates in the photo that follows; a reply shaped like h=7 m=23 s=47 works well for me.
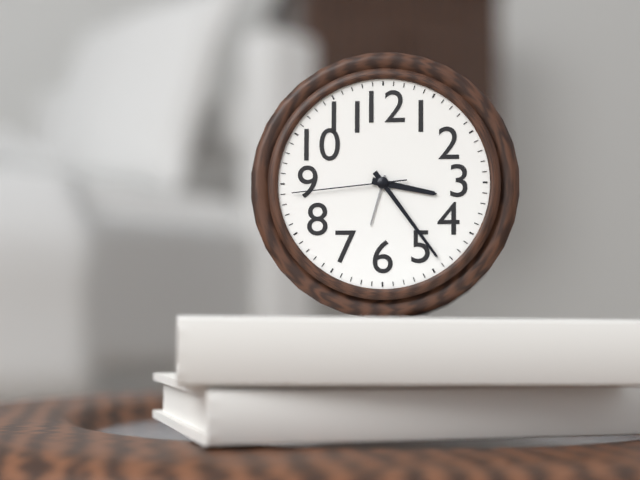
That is h=3 m=24 s=44
